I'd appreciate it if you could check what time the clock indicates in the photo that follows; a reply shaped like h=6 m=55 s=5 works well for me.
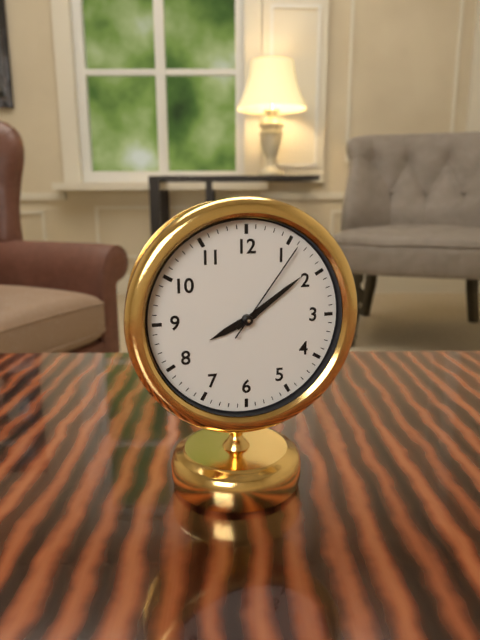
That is h=8 m=9 s=6
